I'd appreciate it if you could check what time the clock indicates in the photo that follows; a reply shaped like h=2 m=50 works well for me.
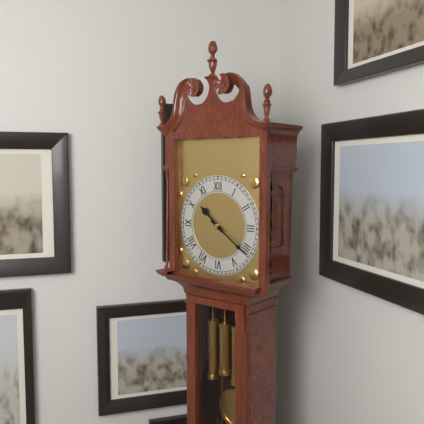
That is h=10 m=21
